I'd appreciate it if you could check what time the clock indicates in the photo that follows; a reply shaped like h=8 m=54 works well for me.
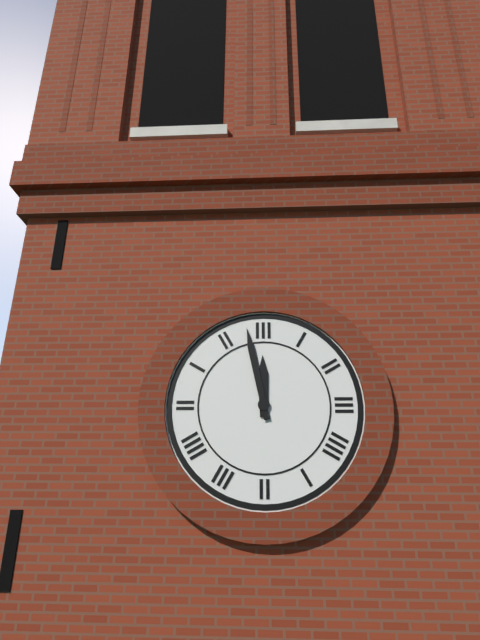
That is h=11 m=58
